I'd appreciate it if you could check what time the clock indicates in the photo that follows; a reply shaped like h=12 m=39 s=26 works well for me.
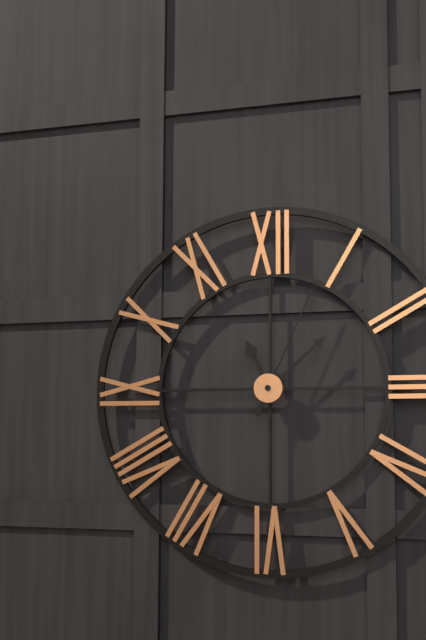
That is h=11 m=8 s=4
